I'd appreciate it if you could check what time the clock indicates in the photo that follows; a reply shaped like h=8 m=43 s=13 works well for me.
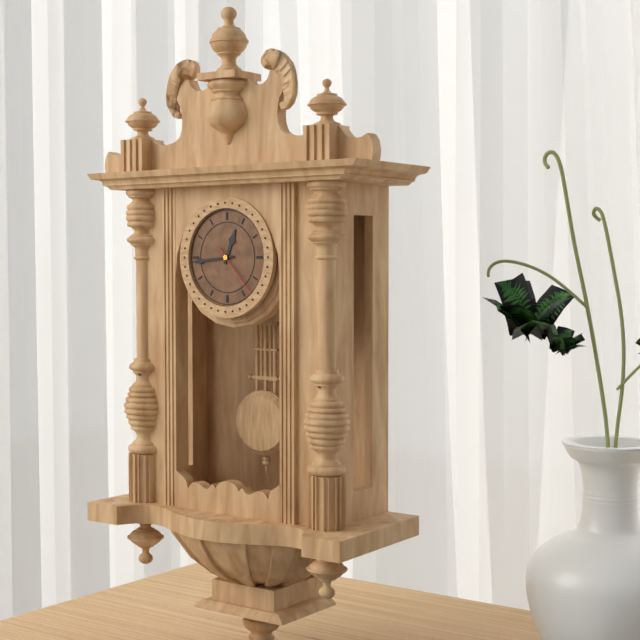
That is h=12 m=44 s=23
